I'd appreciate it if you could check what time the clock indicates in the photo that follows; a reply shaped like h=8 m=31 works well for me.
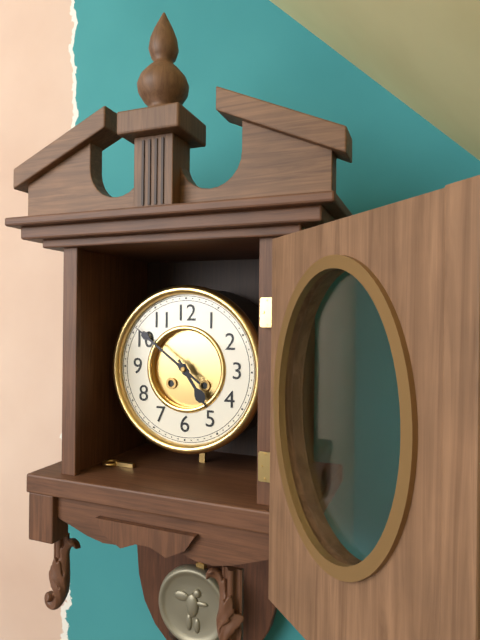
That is h=4 m=51
